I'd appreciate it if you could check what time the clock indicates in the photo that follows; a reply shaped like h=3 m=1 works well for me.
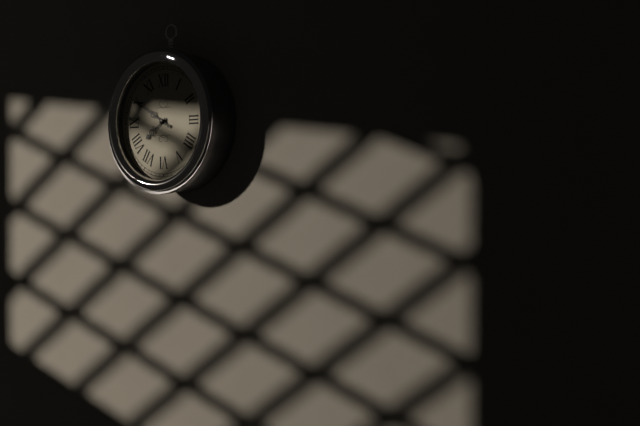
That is h=7 m=50
